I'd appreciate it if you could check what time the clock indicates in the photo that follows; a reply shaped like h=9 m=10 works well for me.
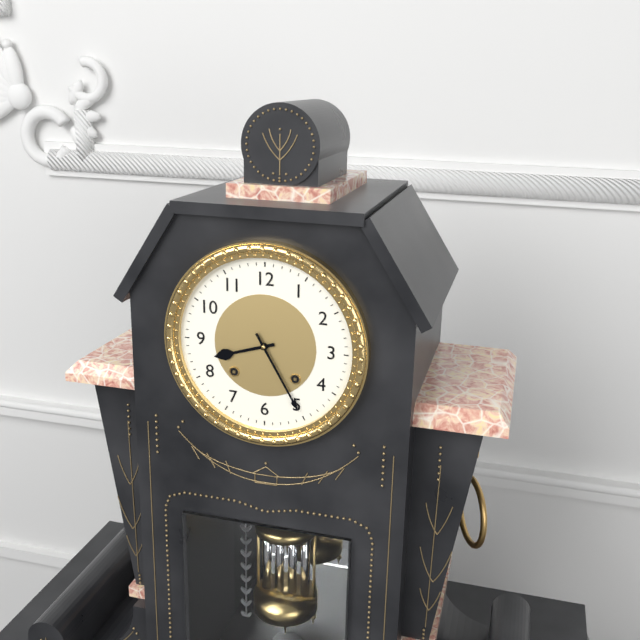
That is h=8 m=25
